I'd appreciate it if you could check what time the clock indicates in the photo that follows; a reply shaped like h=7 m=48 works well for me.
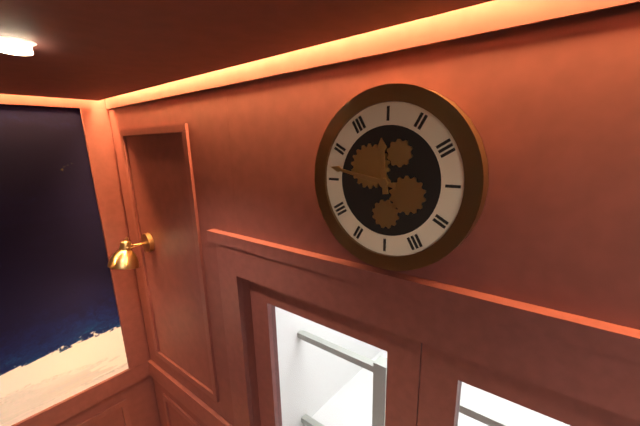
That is h=11 m=47
